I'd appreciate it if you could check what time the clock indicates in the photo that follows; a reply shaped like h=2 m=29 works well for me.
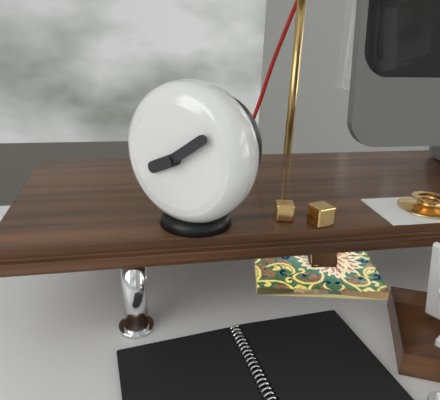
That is h=8 m=9
